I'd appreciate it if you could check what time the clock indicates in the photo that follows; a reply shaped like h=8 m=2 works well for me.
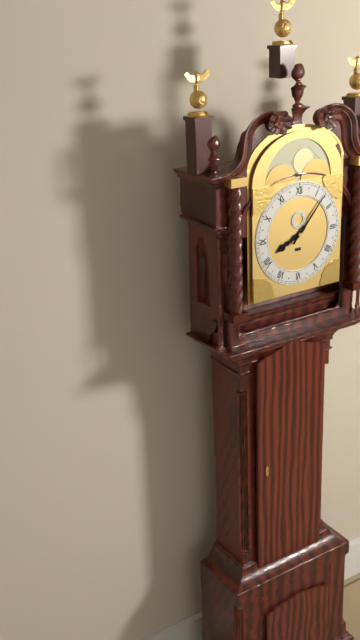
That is h=8 m=7
